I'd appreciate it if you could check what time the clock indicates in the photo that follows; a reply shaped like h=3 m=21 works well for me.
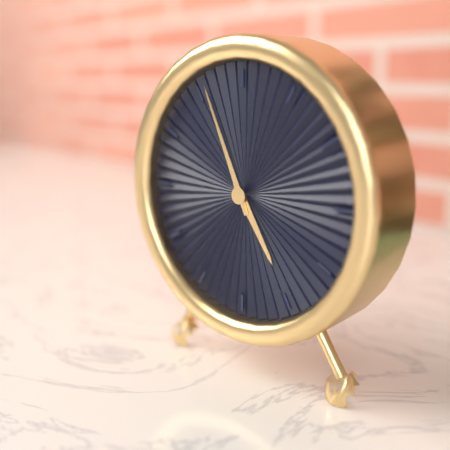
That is h=4 m=56
